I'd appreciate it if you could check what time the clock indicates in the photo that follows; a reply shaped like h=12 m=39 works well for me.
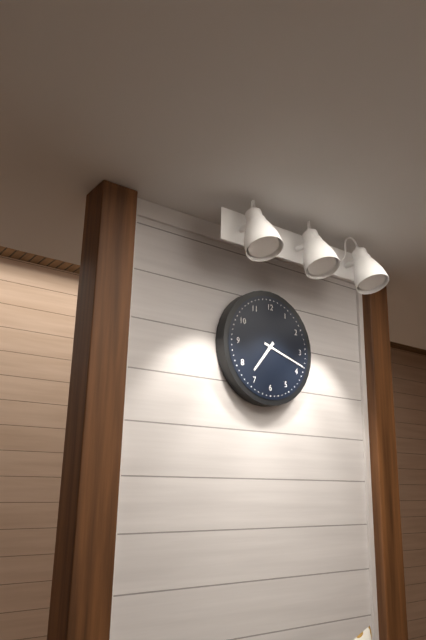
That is h=7 m=18
